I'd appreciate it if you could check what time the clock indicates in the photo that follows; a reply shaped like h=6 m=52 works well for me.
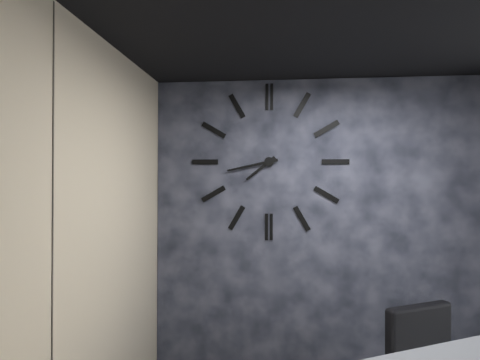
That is h=7 m=43
